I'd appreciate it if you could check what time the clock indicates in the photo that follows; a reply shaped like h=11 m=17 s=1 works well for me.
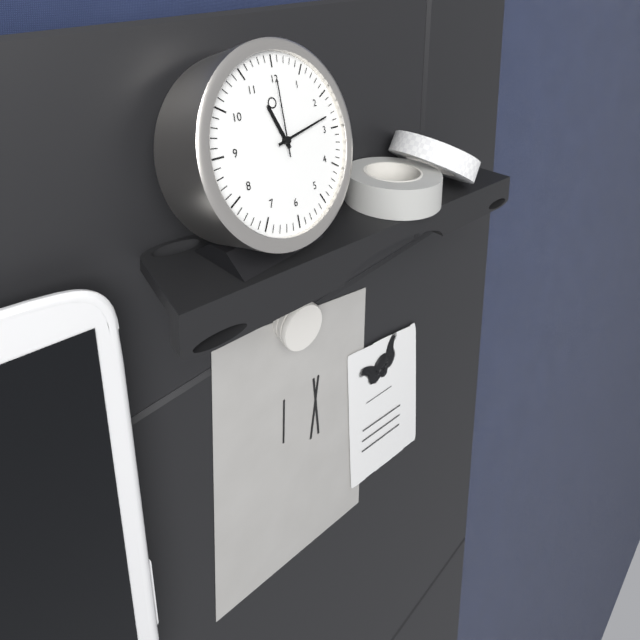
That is h=11 m=13 s=0
